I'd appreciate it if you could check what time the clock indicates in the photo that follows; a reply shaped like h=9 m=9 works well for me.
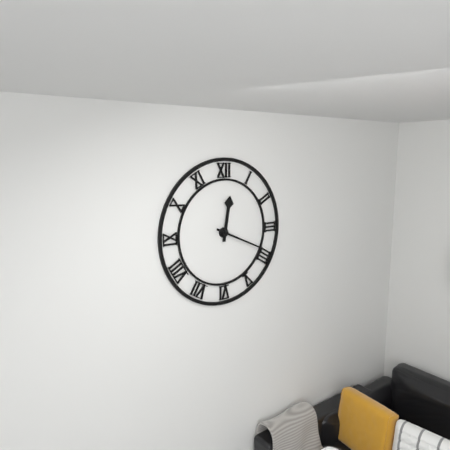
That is h=12 m=19
